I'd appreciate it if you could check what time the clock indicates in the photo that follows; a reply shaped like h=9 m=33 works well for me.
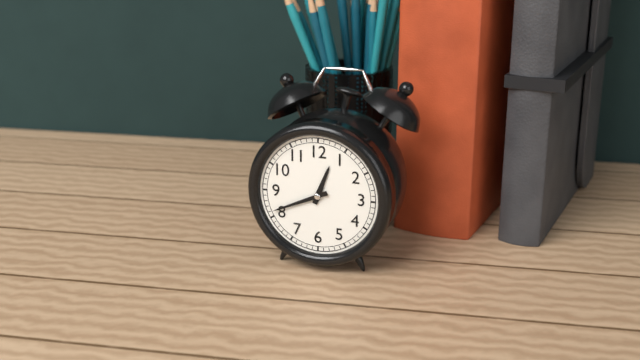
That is h=12 m=41
